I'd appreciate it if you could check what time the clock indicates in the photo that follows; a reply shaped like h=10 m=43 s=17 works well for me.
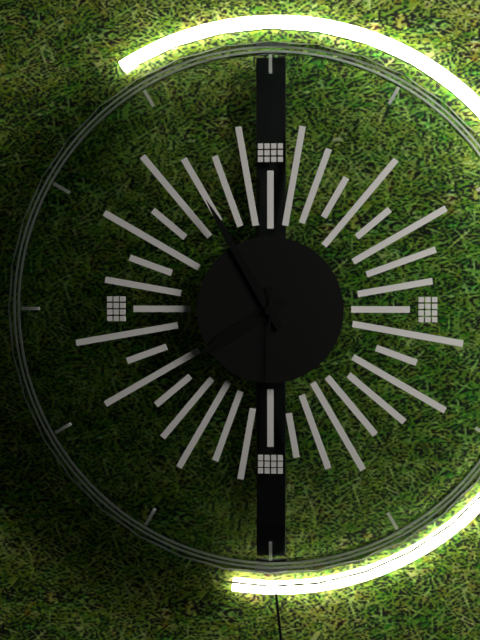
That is h=7 m=55 s=30
